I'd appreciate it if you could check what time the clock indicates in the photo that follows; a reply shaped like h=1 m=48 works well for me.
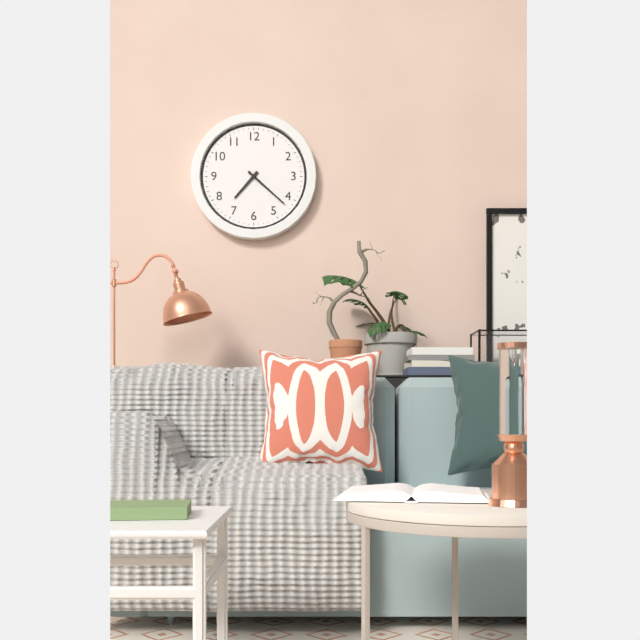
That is h=7 m=22
